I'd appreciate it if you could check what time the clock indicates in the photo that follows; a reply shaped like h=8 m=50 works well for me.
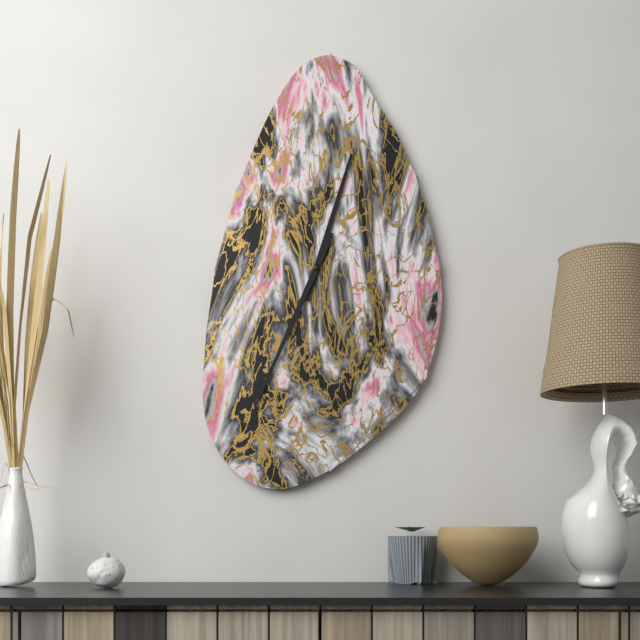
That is h=12 m=34
